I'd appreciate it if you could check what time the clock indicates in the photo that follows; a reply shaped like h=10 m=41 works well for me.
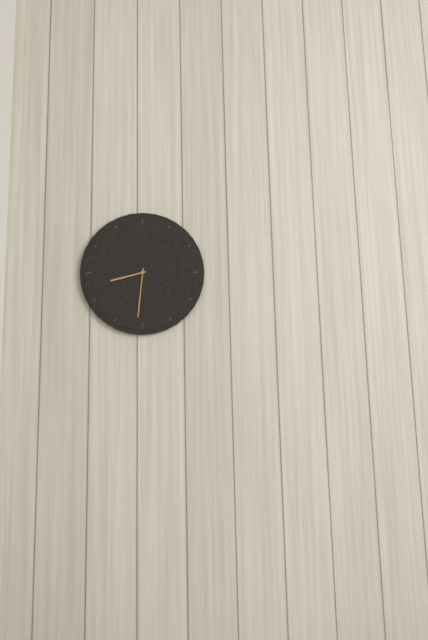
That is h=8 m=31
